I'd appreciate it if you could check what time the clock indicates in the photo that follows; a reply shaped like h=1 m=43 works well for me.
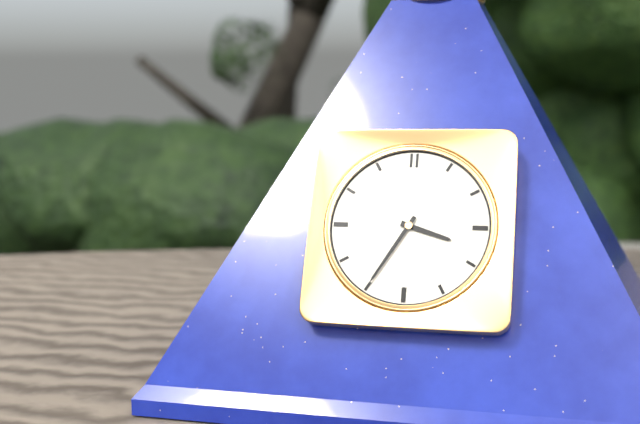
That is h=3 m=35
